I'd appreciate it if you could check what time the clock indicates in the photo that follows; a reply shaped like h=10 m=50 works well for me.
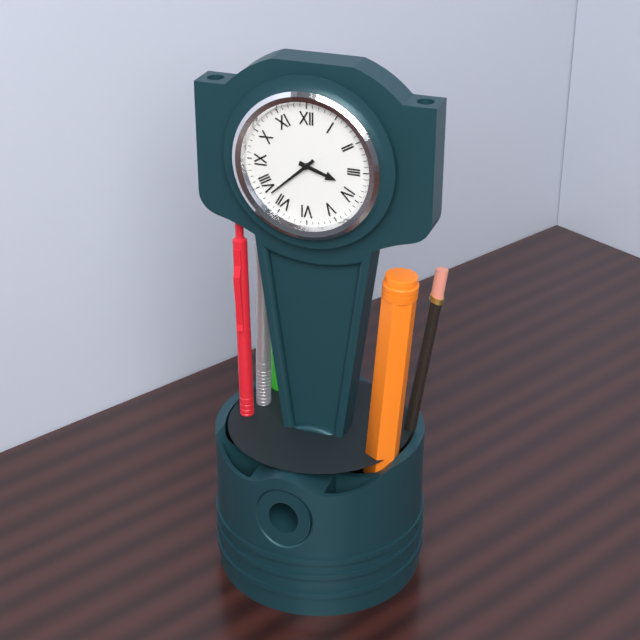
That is h=3 m=38
